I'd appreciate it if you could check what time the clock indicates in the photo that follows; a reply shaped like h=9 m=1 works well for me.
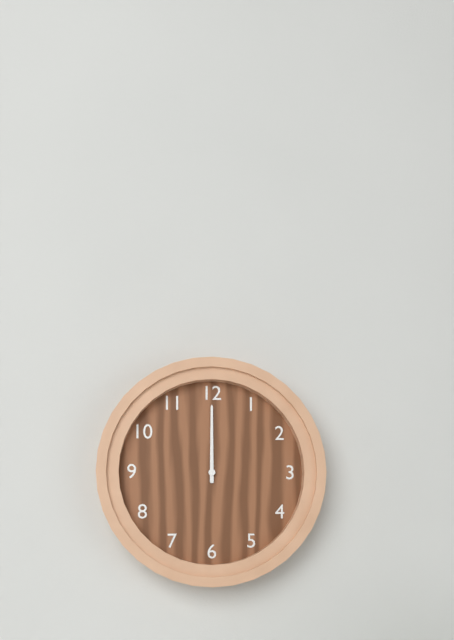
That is h=12 m=0
